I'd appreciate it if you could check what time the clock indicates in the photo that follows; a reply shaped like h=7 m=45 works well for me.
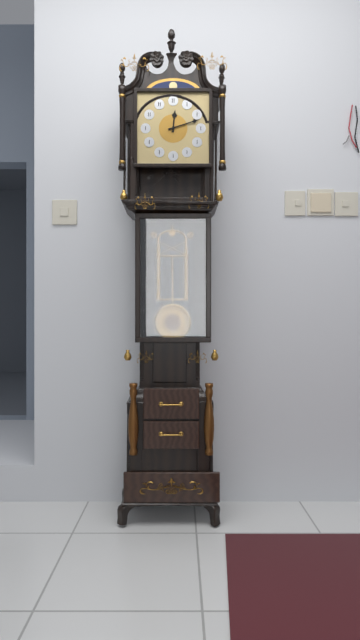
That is h=12 m=12
